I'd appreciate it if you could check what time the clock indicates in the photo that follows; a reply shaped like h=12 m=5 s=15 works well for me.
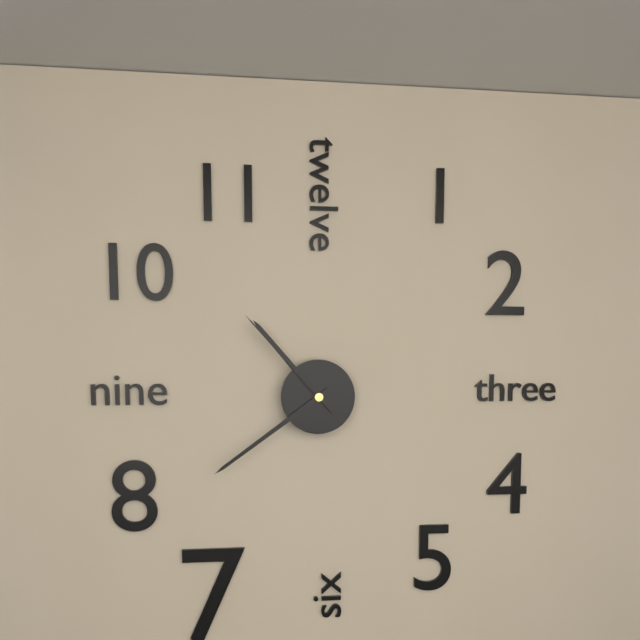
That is h=10 m=39 s=53
